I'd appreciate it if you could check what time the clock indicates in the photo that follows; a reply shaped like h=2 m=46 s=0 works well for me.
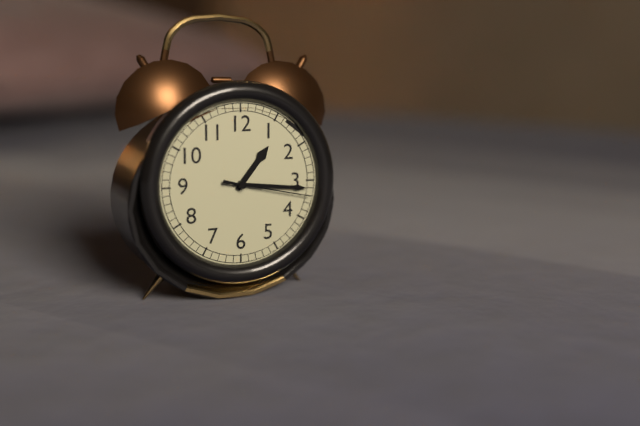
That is h=1 m=16 s=17
